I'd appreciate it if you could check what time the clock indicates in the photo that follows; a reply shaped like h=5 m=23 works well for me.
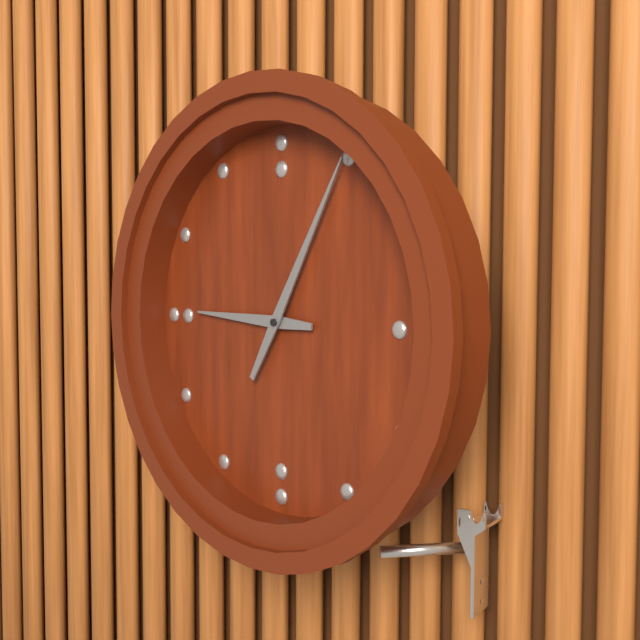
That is h=9 m=5
